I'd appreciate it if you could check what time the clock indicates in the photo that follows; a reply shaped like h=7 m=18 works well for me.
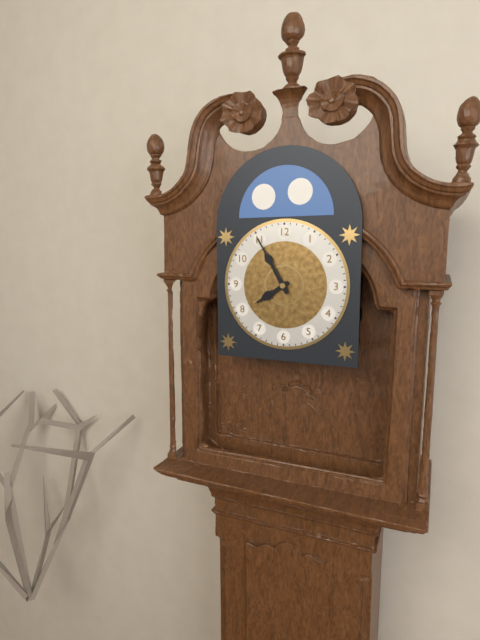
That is h=7 m=55
